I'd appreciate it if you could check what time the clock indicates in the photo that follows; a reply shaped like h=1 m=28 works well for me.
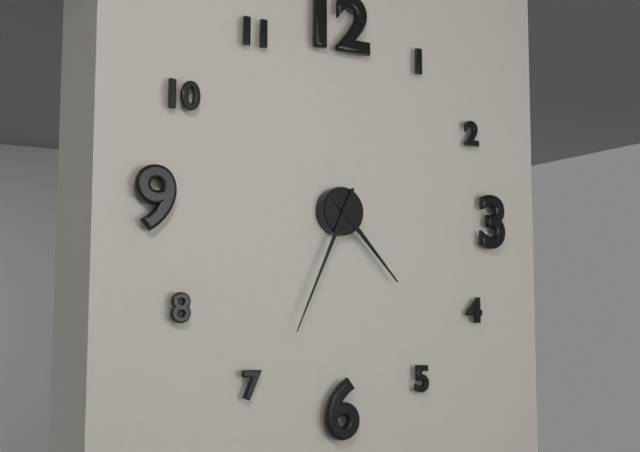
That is h=4 m=34
